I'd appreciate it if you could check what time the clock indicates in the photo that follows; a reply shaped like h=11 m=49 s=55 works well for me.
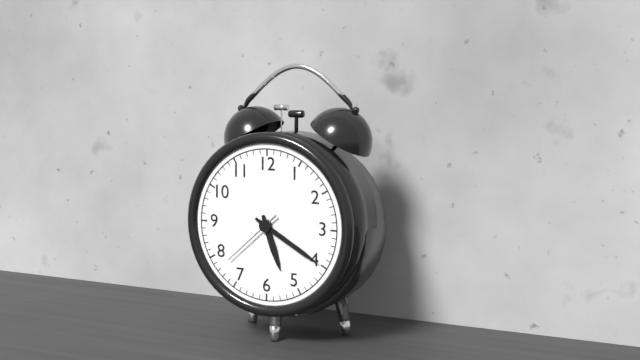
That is h=5 m=20 s=38
